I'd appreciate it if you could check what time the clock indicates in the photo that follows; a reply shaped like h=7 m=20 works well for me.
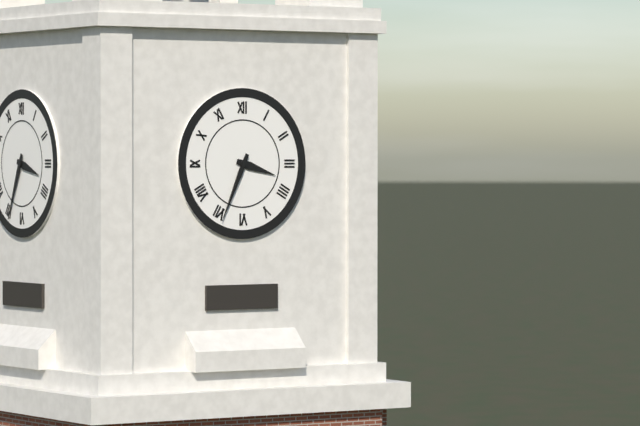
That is h=3 m=34
